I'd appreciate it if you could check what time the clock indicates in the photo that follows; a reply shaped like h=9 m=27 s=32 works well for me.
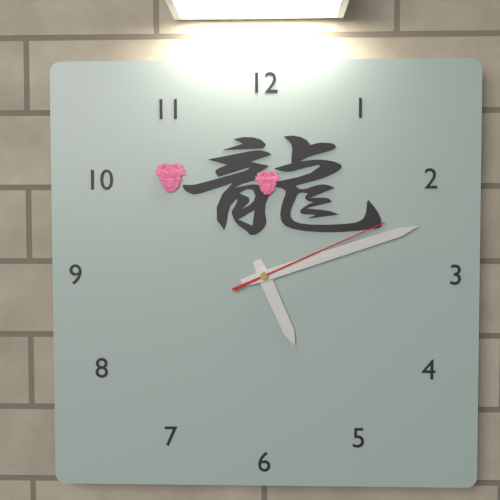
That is h=5 m=12 s=11
